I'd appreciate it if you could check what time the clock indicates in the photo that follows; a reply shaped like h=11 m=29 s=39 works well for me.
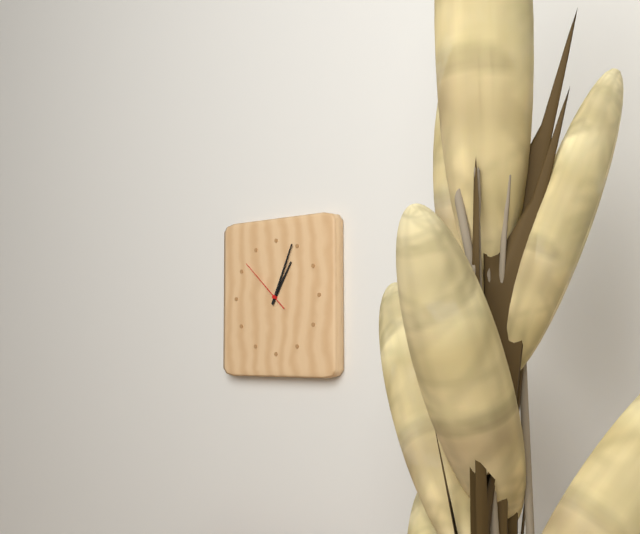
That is h=1 m=4 s=52
